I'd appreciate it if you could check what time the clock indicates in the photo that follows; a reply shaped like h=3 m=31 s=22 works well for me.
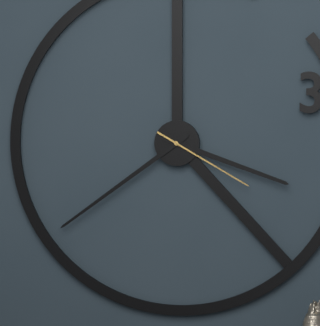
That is h=3 m=39 s=20
